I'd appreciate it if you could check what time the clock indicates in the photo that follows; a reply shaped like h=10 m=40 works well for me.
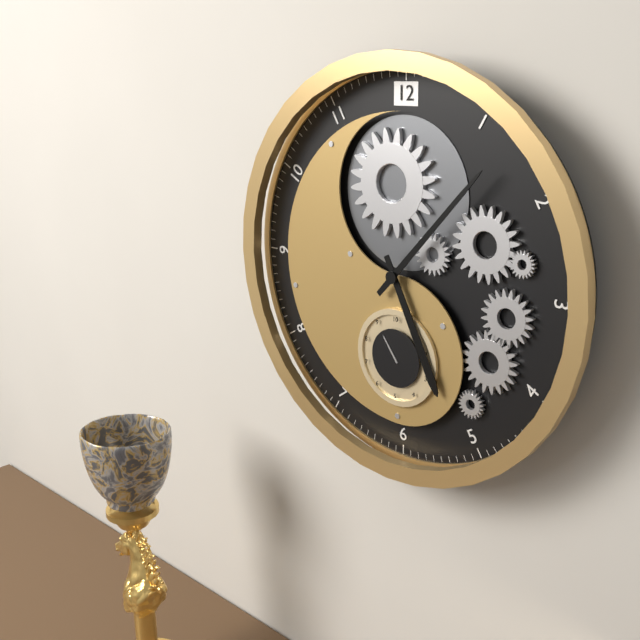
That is h=5 m=7
